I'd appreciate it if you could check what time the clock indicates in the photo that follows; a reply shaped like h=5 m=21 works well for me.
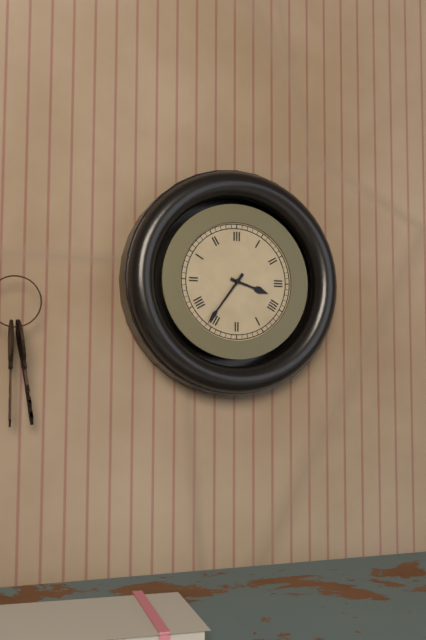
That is h=3 m=36
